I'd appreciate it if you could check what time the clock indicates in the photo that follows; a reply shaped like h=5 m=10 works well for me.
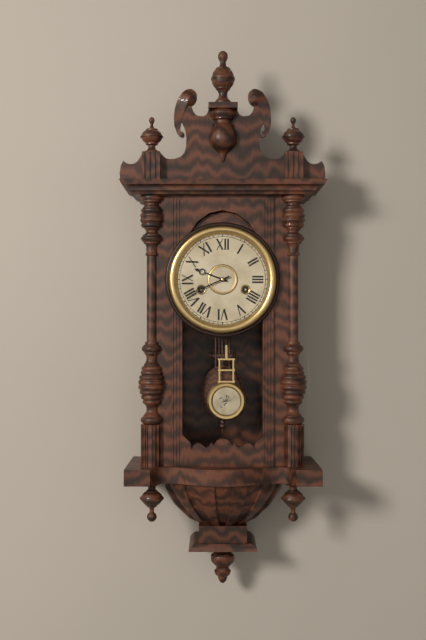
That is h=9 m=41
